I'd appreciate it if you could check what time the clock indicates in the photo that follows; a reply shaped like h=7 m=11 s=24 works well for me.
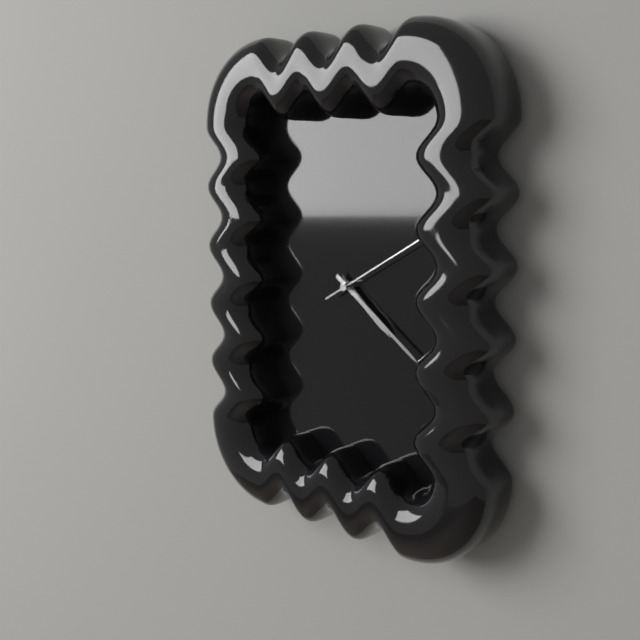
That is h=4 m=21 s=10
